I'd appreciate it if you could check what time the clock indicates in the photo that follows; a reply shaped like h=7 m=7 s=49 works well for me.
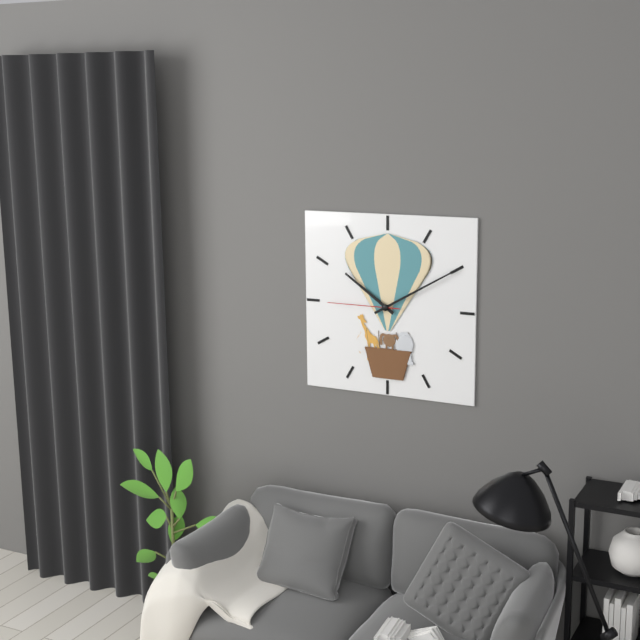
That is h=10 m=10 s=45
